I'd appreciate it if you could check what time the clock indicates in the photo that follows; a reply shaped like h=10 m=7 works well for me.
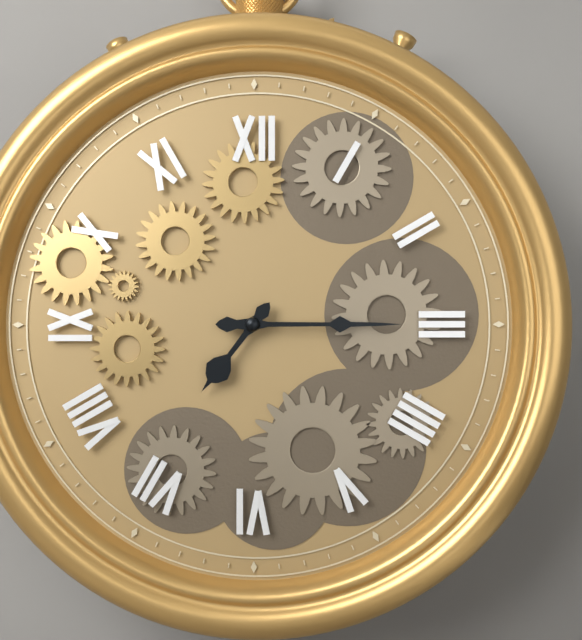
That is h=7 m=15
